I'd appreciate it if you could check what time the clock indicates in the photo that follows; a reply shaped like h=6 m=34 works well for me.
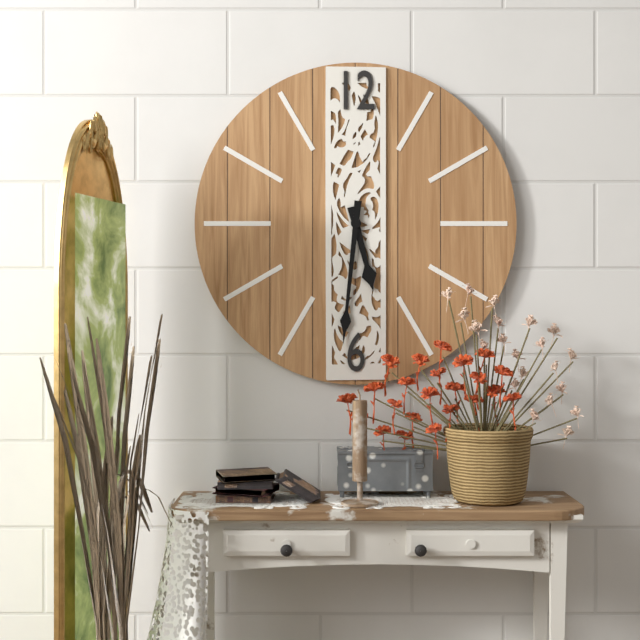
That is h=5 m=31
